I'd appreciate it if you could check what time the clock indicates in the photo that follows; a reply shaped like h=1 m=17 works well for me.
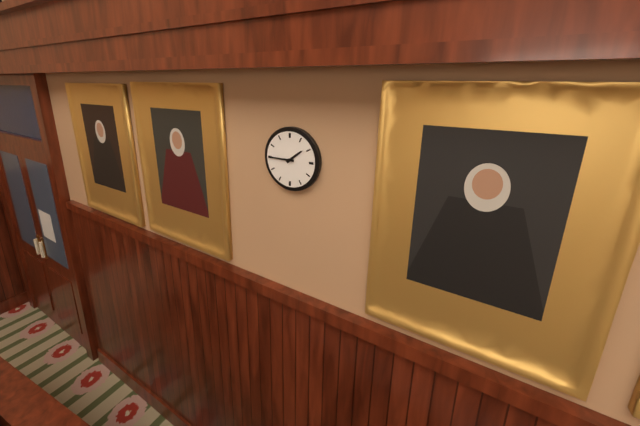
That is h=1 m=45
